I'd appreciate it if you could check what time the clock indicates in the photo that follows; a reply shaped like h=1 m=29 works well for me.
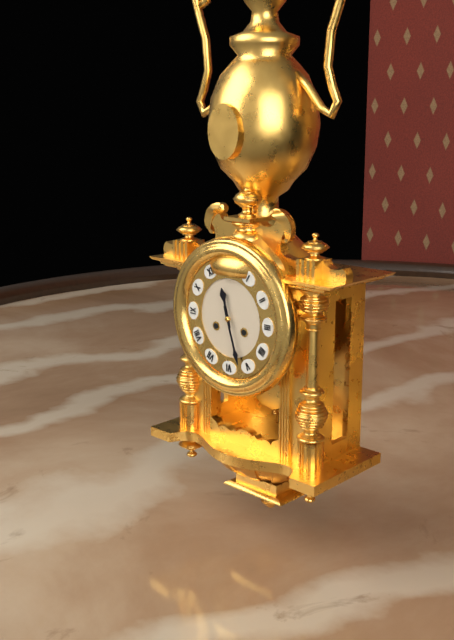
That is h=11 m=27
